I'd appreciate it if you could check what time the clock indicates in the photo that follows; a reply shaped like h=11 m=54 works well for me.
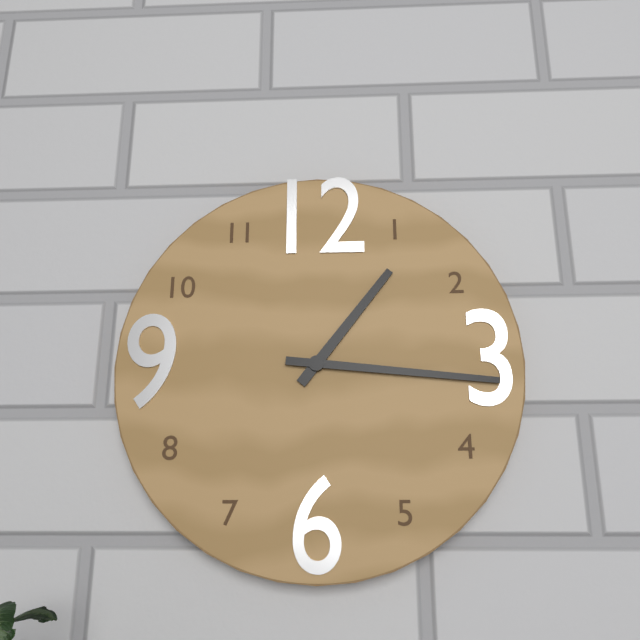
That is h=1 m=16
